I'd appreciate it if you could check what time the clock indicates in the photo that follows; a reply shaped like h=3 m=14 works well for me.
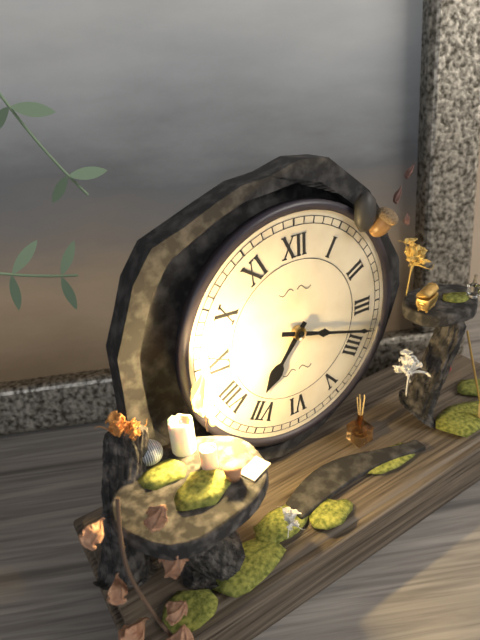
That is h=7 m=18
